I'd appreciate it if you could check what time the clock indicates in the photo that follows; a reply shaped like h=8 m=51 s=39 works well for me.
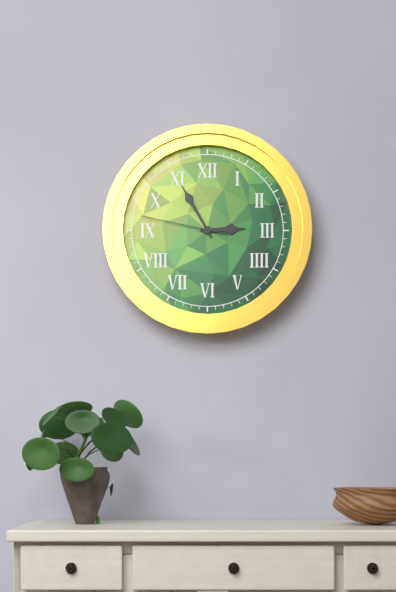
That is h=2 m=55 s=47
